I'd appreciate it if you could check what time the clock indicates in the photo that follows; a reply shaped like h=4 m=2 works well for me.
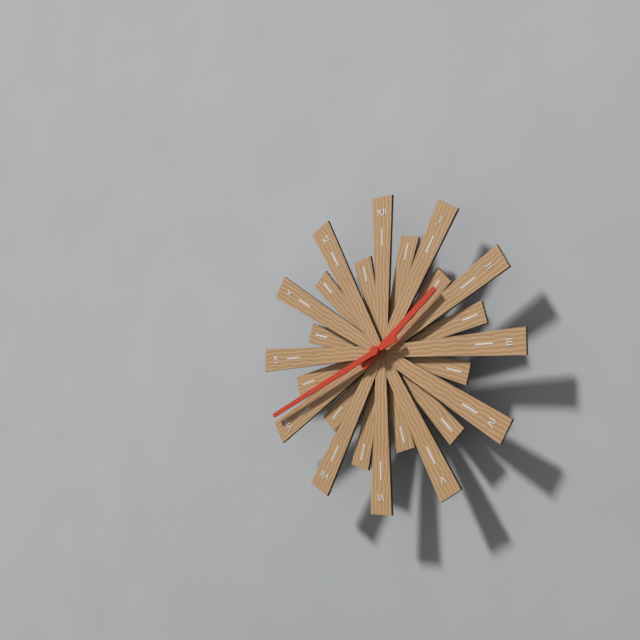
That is h=1 m=41
